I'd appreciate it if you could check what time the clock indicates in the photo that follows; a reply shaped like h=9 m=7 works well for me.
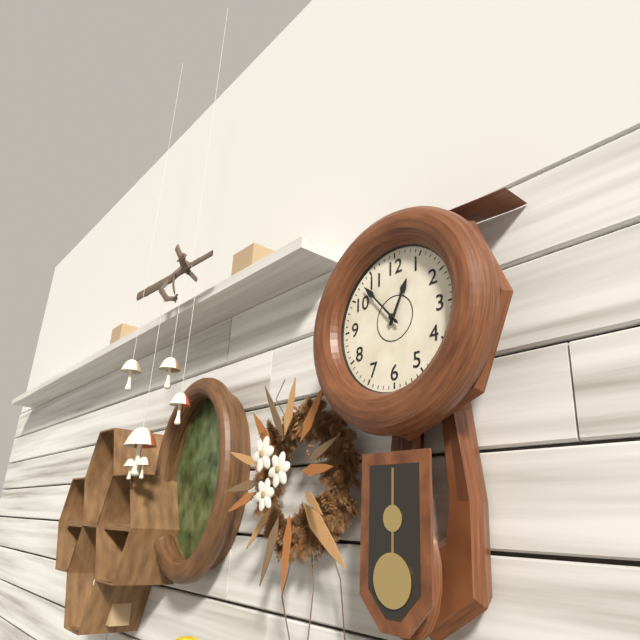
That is h=12 m=53
